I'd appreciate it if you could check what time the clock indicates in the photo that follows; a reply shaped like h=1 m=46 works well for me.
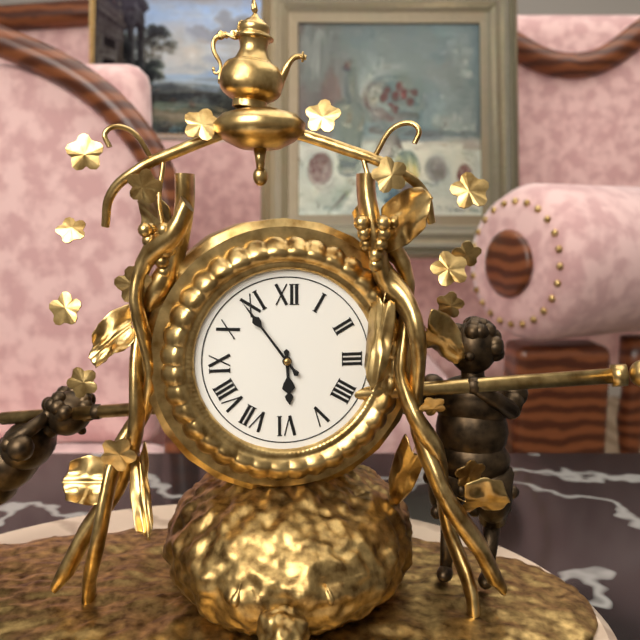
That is h=5 m=54
